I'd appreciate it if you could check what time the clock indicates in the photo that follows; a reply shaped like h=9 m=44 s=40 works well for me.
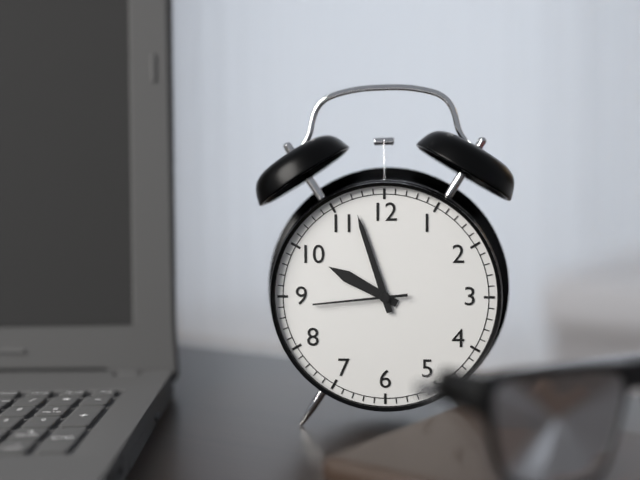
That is h=9 m=57 s=44
